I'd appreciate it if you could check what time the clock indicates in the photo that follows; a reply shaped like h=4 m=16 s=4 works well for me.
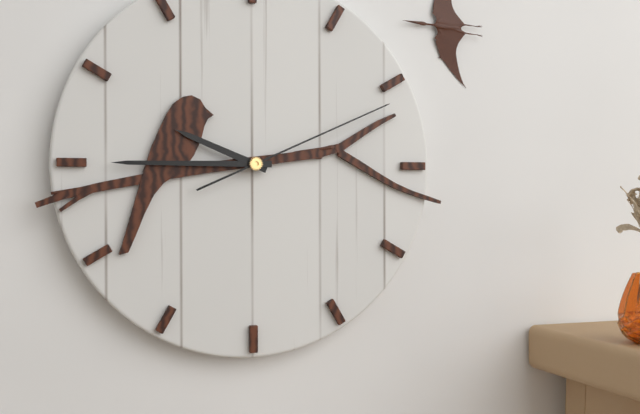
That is h=9 m=45 s=11
